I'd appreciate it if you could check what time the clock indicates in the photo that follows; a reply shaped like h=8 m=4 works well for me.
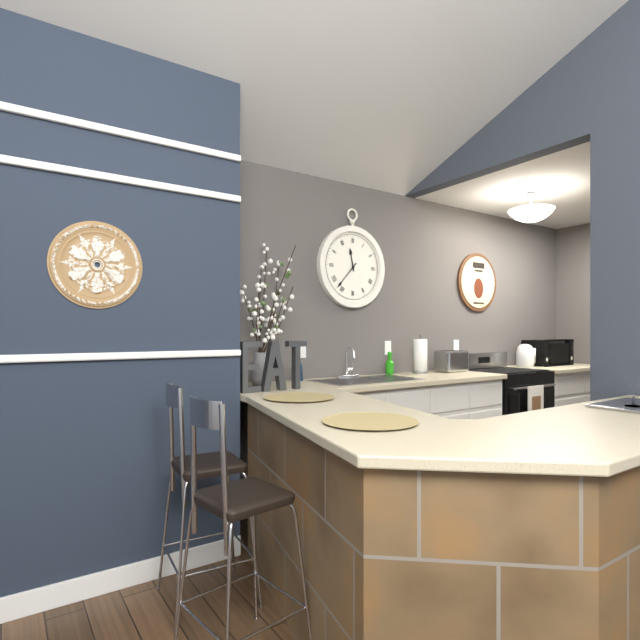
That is h=11 m=37
